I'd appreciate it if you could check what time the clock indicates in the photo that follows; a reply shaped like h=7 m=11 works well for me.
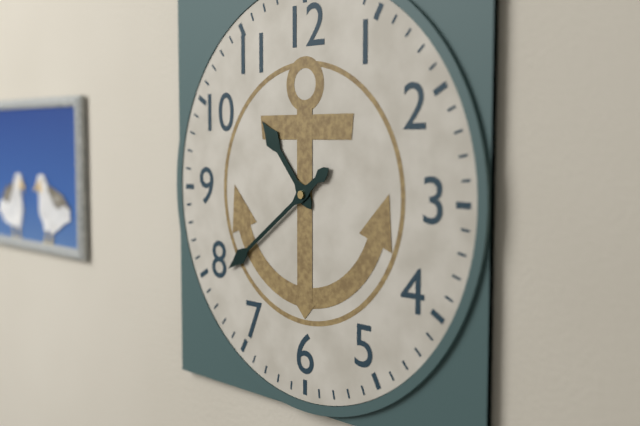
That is h=10 m=39
